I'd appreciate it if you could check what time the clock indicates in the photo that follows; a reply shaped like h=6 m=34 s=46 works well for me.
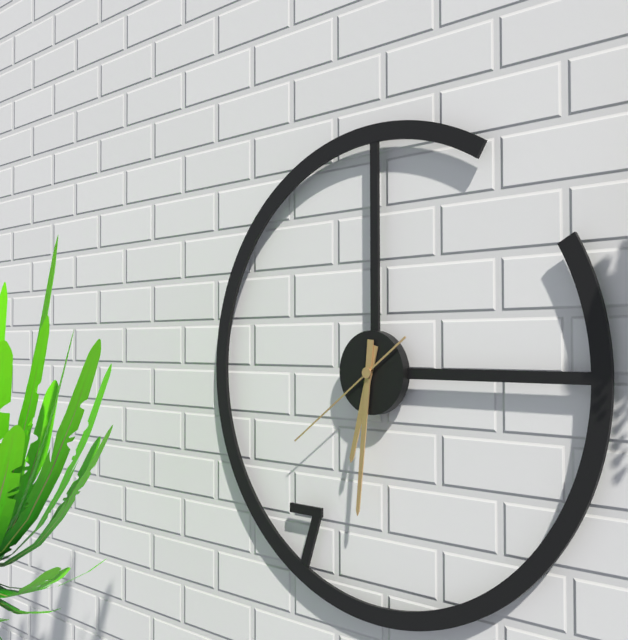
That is h=6 m=31 s=39
